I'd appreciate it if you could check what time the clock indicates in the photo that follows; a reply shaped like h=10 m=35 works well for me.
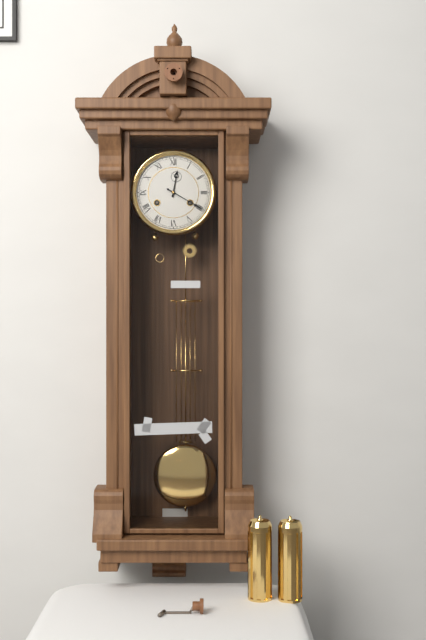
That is h=12 m=20
